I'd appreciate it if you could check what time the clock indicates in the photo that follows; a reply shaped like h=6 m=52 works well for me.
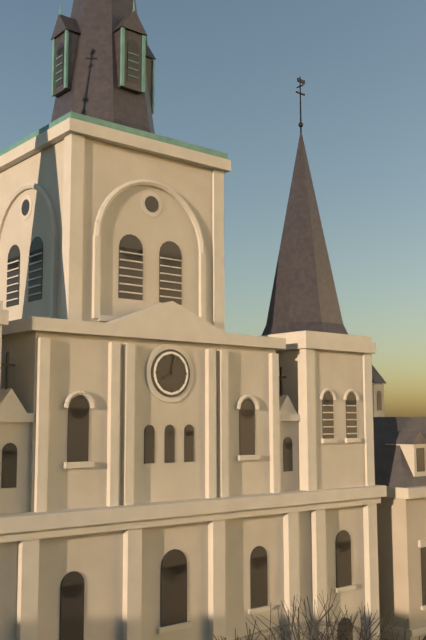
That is h=8 m=2
